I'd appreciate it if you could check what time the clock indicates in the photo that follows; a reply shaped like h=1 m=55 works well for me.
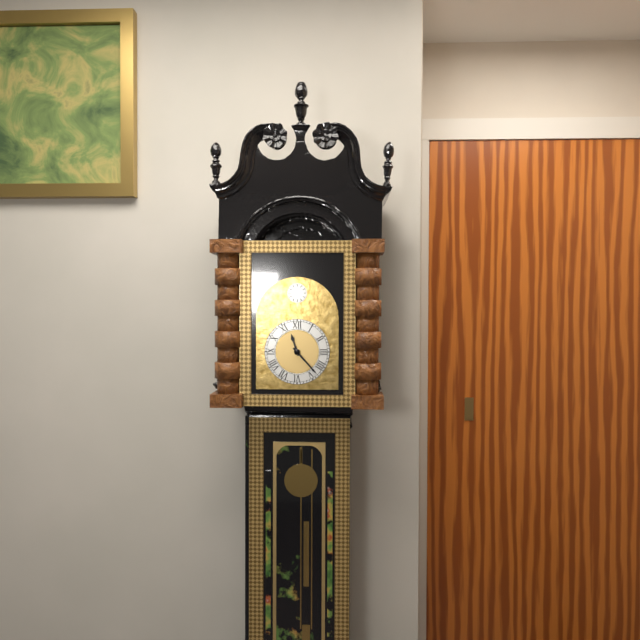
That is h=11 m=23
